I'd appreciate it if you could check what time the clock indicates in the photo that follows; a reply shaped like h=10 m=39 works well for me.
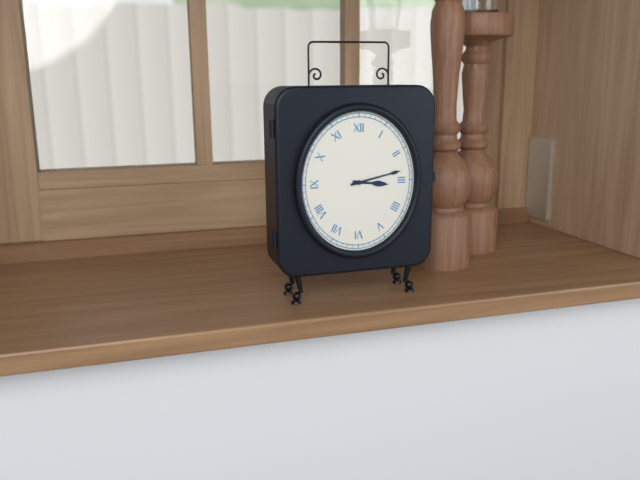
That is h=3 m=13
